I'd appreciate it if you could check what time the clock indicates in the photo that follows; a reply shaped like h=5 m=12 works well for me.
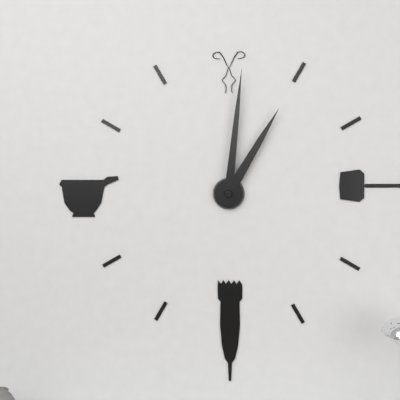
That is h=1 m=1
